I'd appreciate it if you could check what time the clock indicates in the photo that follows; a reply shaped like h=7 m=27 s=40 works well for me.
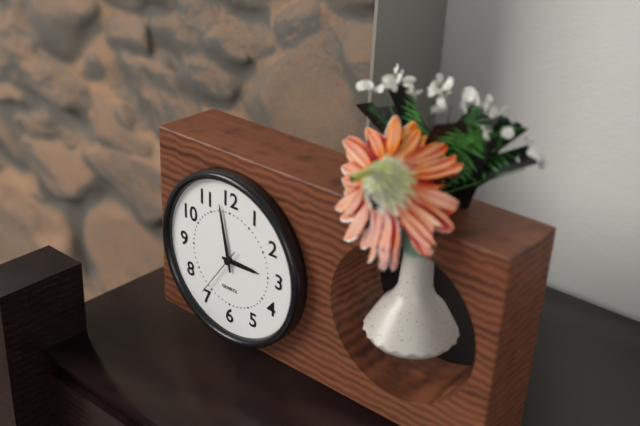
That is h=2 m=58 s=36
